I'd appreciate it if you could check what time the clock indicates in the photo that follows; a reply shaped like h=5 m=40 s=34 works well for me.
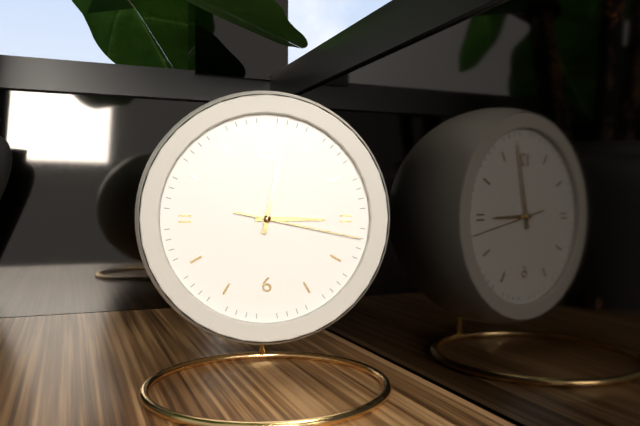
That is h=3 m=2 s=17
